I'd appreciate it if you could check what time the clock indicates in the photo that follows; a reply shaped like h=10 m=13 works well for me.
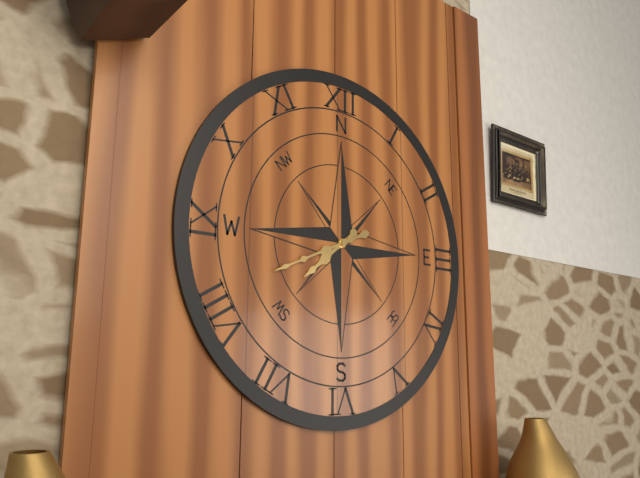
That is h=7 m=41
